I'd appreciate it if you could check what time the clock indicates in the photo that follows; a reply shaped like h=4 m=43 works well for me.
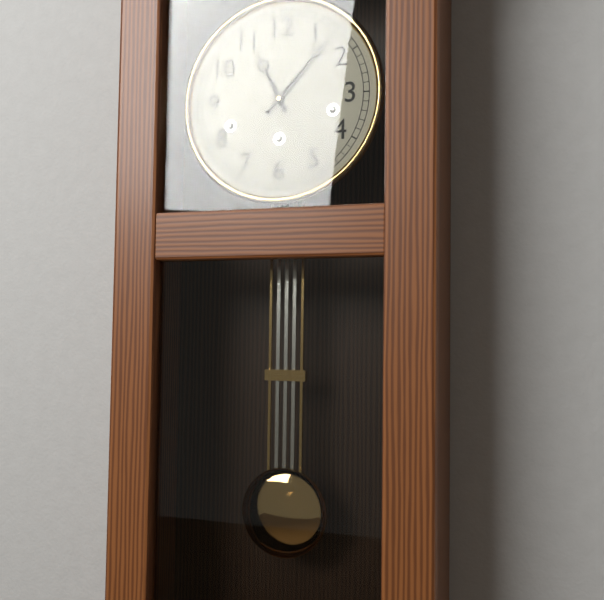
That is h=11 m=7
